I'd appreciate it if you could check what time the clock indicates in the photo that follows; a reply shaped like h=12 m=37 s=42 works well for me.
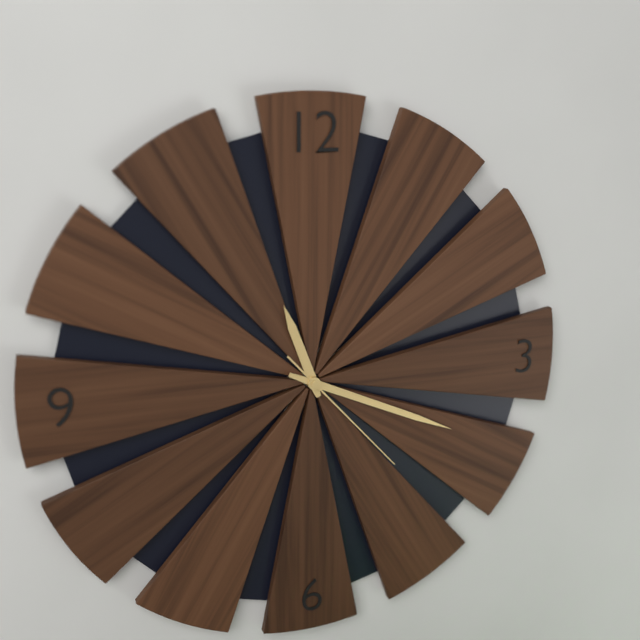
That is h=11 m=19 s=23
